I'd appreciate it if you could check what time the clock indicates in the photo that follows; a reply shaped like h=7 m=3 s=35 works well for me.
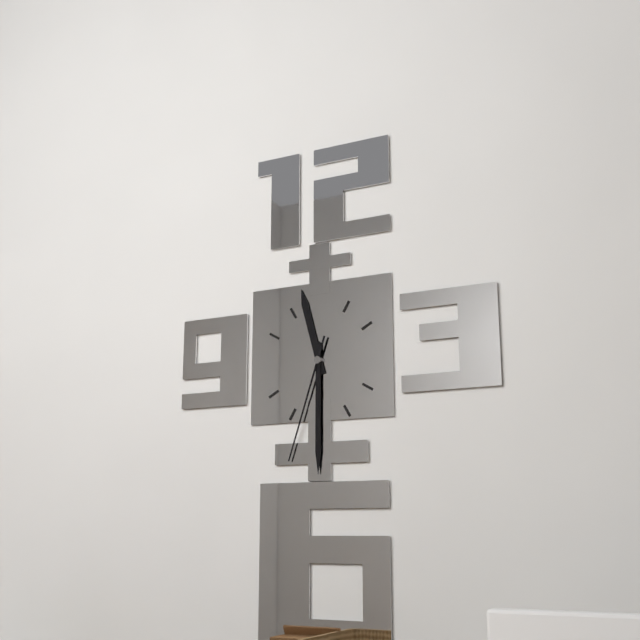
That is h=11 m=30 s=33
